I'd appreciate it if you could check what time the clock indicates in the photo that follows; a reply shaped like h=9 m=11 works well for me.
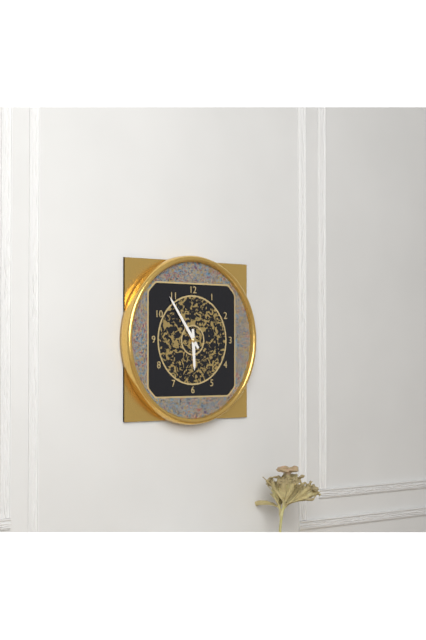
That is h=5 m=54
